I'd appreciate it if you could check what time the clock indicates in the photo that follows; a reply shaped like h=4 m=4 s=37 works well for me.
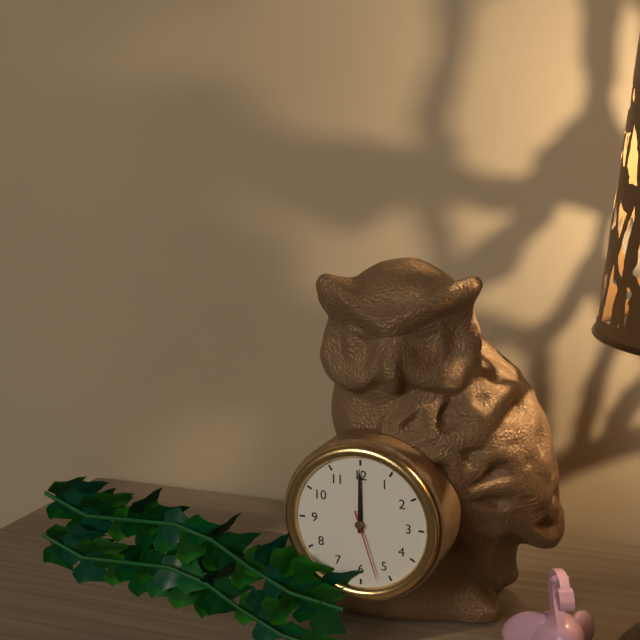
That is h=12 m=0 s=27
